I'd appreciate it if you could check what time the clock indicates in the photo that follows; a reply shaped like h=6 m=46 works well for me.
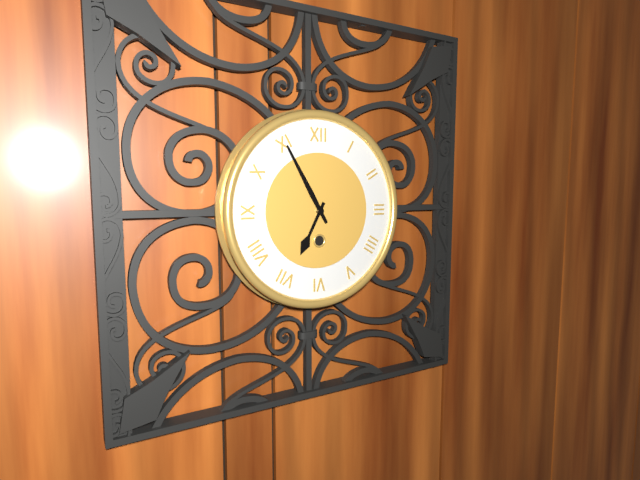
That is h=6 m=55
